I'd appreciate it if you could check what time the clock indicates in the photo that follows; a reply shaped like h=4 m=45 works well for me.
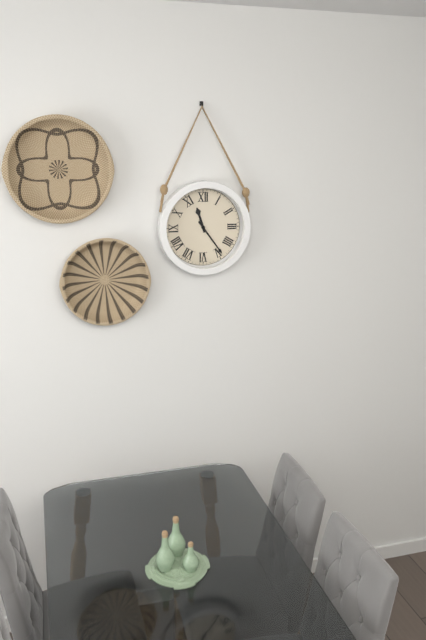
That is h=11 m=24
